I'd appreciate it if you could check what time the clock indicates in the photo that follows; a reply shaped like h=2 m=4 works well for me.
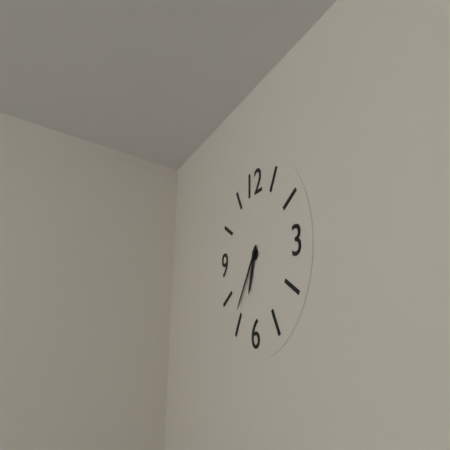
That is h=6 m=36
